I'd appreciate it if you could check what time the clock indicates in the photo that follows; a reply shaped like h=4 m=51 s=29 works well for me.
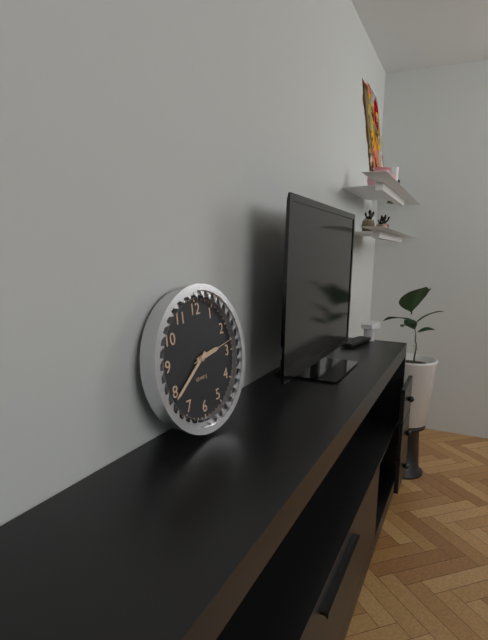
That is h=2 m=39 s=13
